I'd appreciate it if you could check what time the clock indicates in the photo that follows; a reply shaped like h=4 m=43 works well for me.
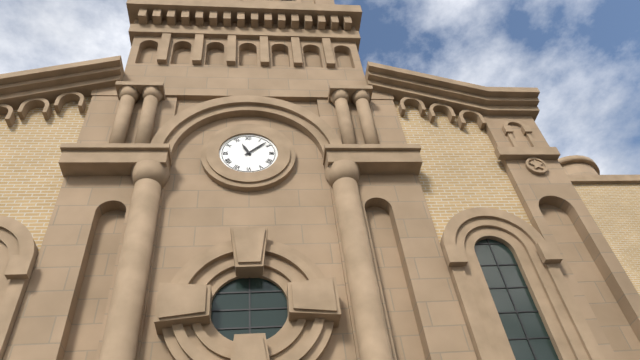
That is h=11 m=8
